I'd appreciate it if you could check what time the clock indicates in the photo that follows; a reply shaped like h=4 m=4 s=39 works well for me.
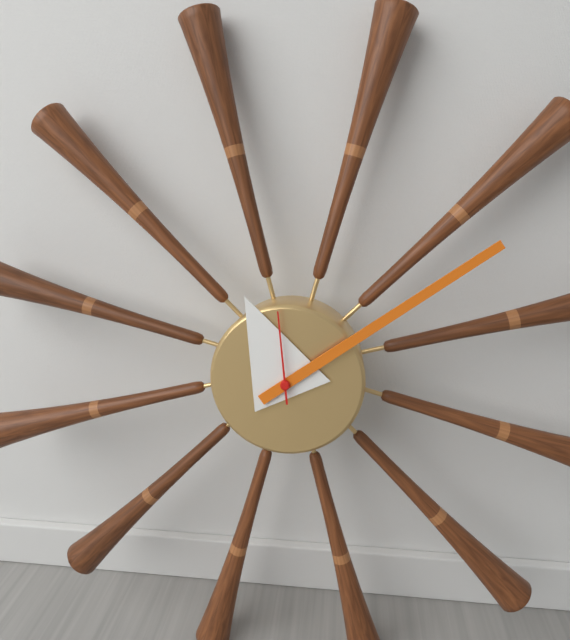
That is h=11 m=9 s=59
